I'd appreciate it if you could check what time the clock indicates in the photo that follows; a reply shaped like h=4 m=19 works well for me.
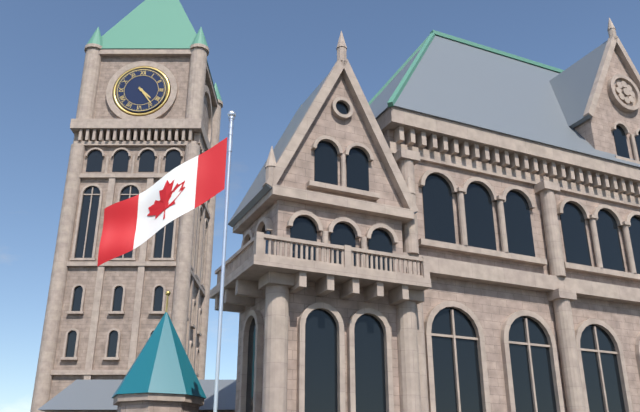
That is h=4 m=24
